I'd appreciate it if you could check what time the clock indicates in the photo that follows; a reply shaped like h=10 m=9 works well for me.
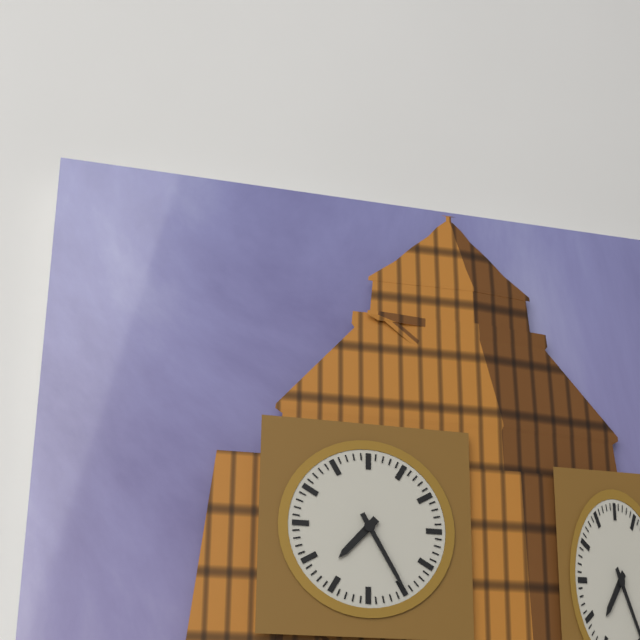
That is h=7 m=25
